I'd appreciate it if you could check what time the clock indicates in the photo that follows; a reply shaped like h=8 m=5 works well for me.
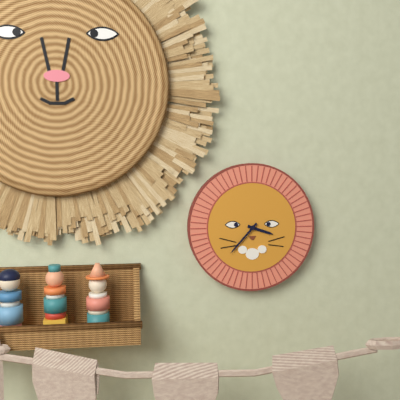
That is h=3 m=37
